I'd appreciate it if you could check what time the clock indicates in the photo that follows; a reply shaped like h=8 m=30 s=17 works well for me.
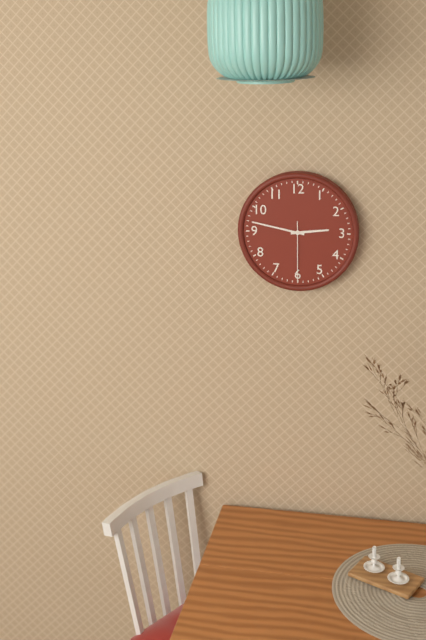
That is h=2 m=47 s=30
